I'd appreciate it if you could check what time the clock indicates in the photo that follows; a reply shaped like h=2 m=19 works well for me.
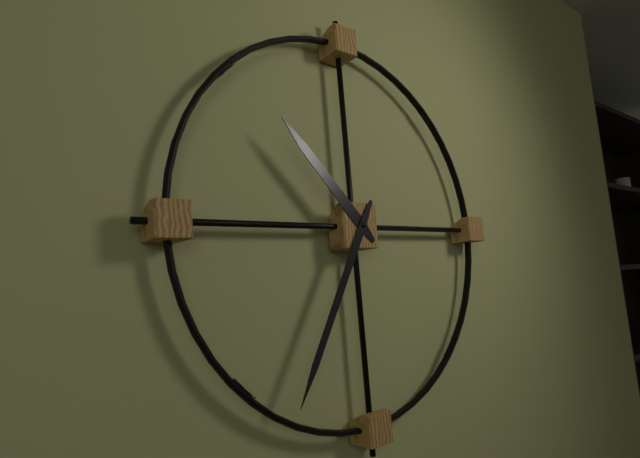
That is h=10 m=35
